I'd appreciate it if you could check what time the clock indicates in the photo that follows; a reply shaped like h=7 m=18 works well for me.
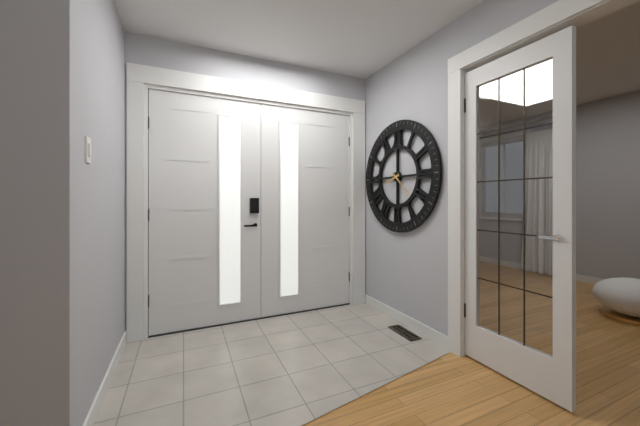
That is h=8 m=22
